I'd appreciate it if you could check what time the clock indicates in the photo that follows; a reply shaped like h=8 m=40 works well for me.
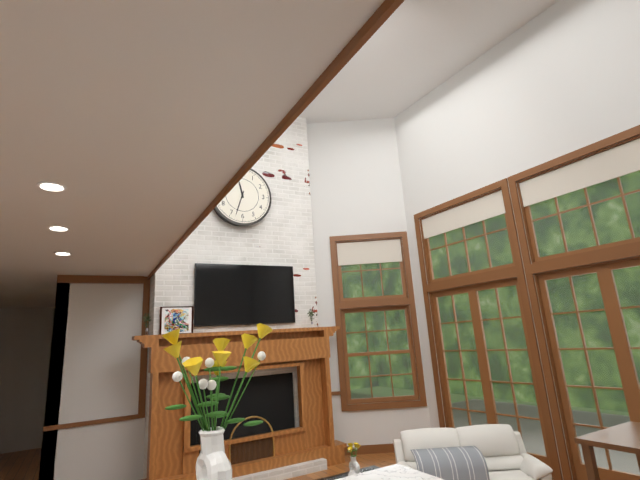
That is h=11 m=33
